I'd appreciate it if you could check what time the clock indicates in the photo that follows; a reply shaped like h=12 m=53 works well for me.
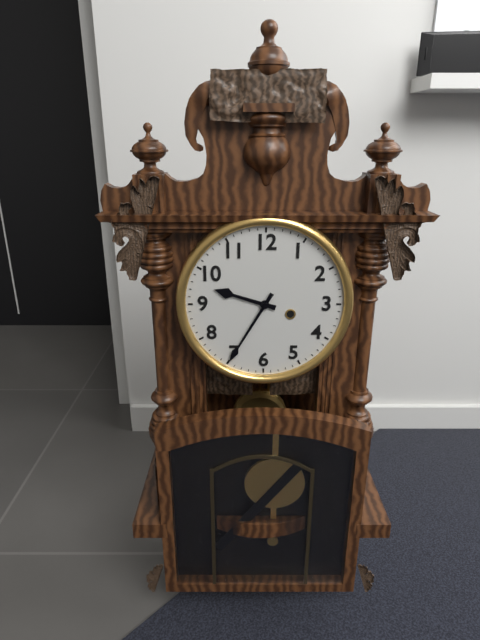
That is h=9 m=35
